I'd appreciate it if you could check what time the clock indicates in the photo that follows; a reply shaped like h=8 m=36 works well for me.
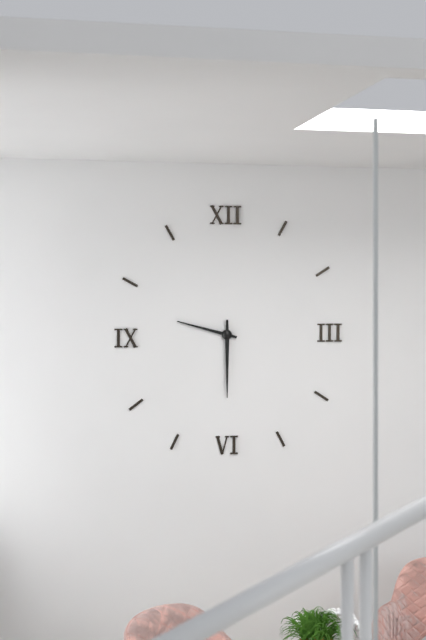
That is h=9 m=30
